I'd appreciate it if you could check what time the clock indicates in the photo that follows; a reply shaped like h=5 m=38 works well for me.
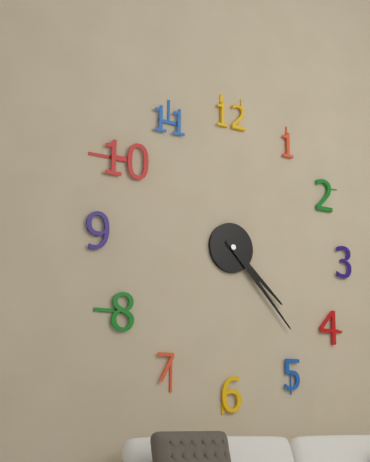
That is h=4 m=23
